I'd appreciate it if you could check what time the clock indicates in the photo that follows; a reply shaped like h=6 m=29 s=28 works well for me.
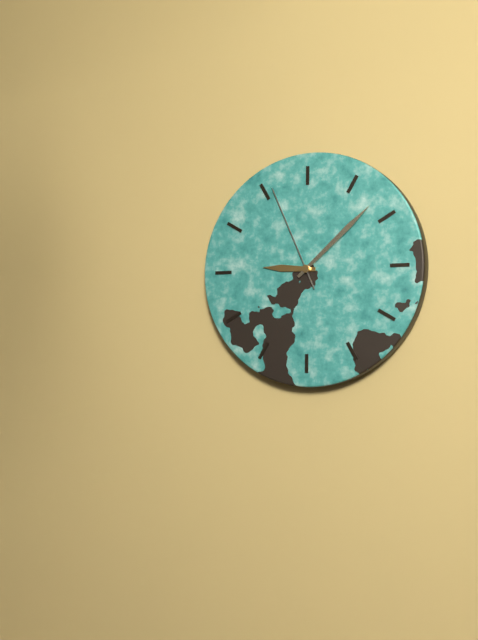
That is h=9 m=8 s=56
